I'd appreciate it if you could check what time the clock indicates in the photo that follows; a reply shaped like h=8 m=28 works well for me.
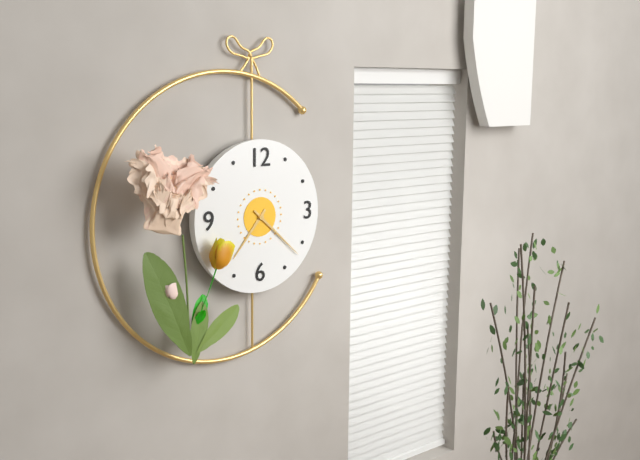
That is h=7 m=22
